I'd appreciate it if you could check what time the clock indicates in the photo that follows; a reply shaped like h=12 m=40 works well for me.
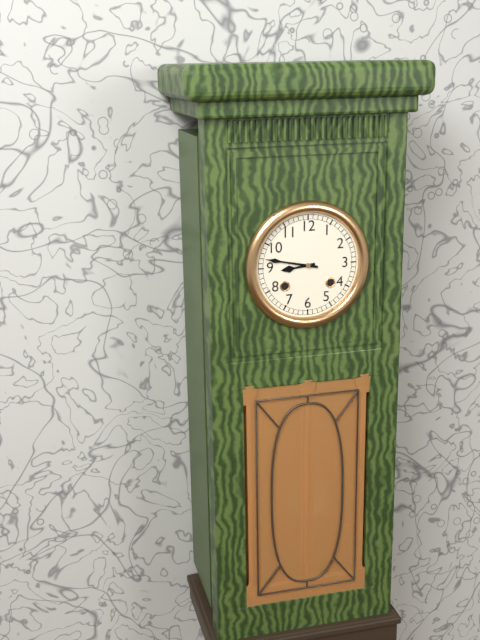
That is h=8 m=47
